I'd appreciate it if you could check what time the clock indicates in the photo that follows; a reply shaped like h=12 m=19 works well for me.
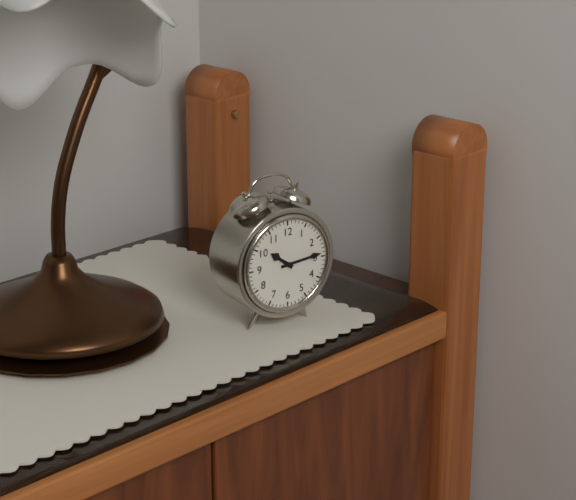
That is h=10 m=14
